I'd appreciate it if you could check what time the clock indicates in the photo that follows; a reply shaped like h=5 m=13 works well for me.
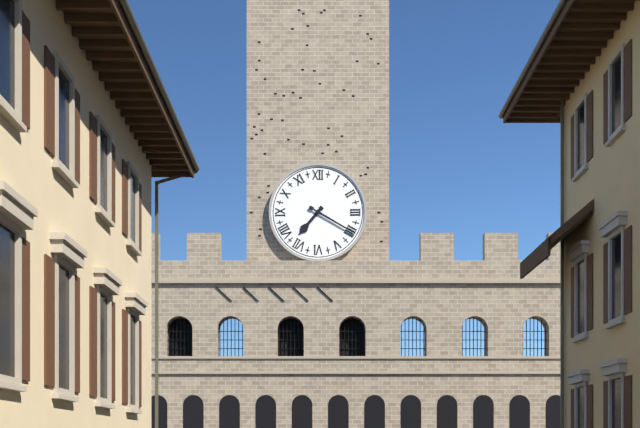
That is h=7 m=20
